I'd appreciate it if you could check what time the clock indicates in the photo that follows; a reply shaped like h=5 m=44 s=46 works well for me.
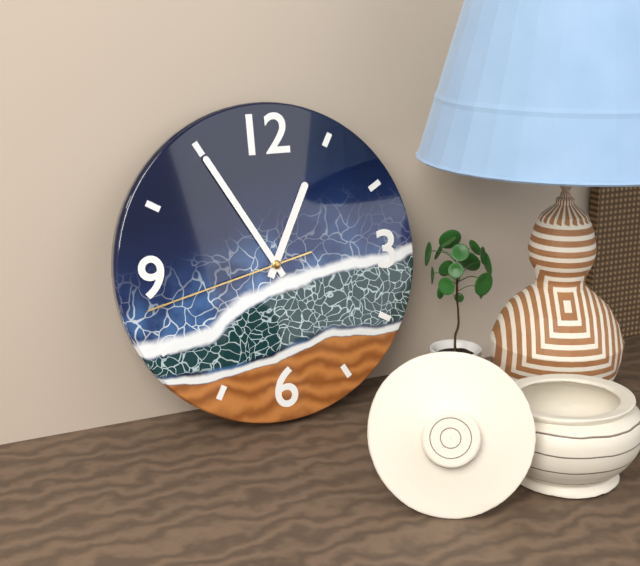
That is h=12 m=55 s=43
